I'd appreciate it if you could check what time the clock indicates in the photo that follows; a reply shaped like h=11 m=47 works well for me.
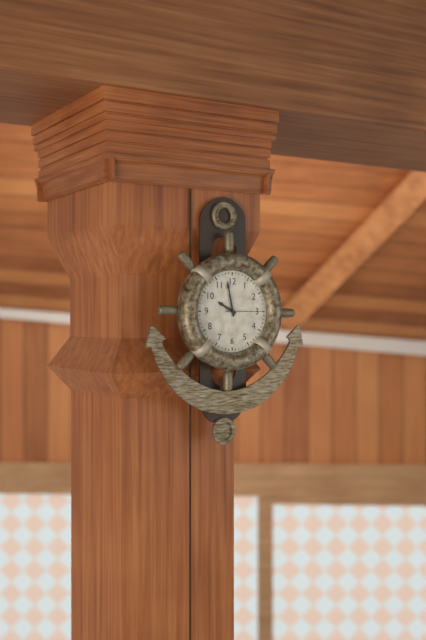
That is h=9 m=58
